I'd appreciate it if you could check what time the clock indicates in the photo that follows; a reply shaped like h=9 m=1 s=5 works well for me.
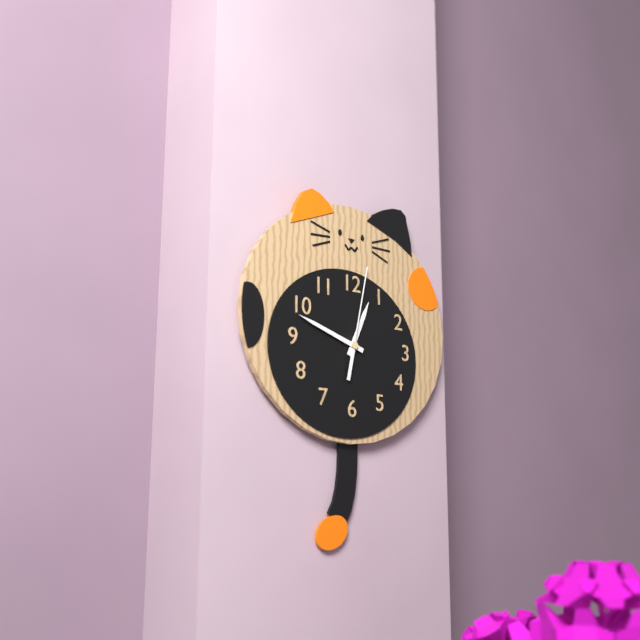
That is h=12 m=48 s=2
